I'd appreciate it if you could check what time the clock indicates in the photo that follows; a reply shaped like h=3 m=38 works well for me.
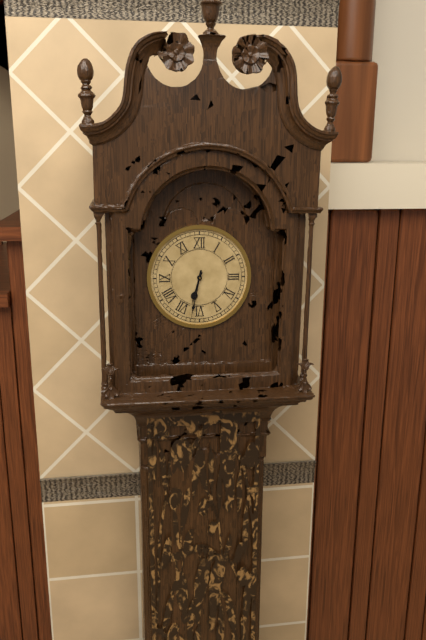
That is h=6 m=32
